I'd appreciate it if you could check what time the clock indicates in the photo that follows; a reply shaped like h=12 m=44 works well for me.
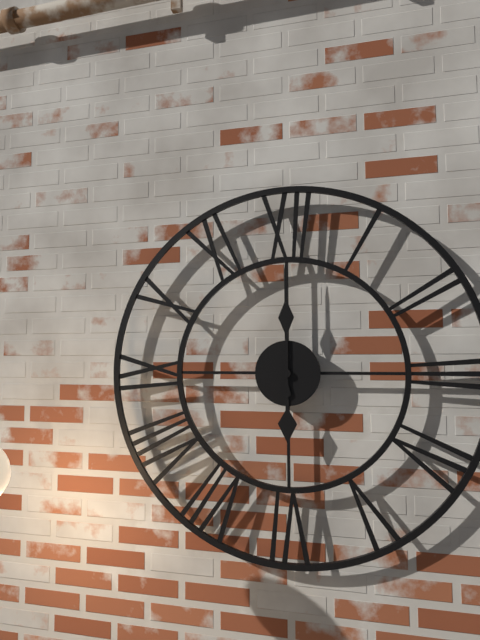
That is h=6 m=0
